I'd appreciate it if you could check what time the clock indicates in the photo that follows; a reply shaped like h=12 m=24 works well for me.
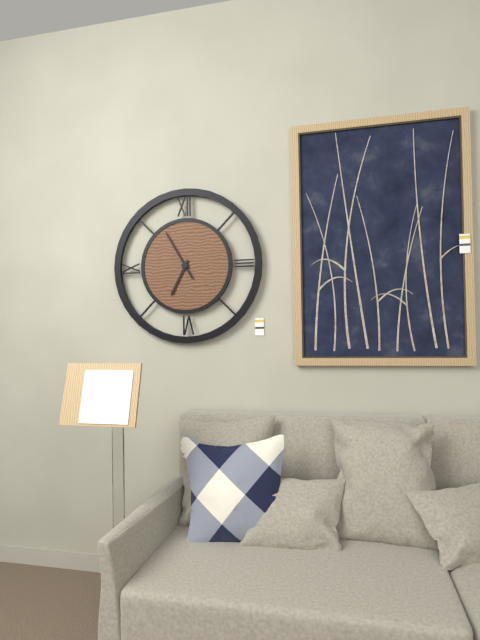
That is h=6 m=55
